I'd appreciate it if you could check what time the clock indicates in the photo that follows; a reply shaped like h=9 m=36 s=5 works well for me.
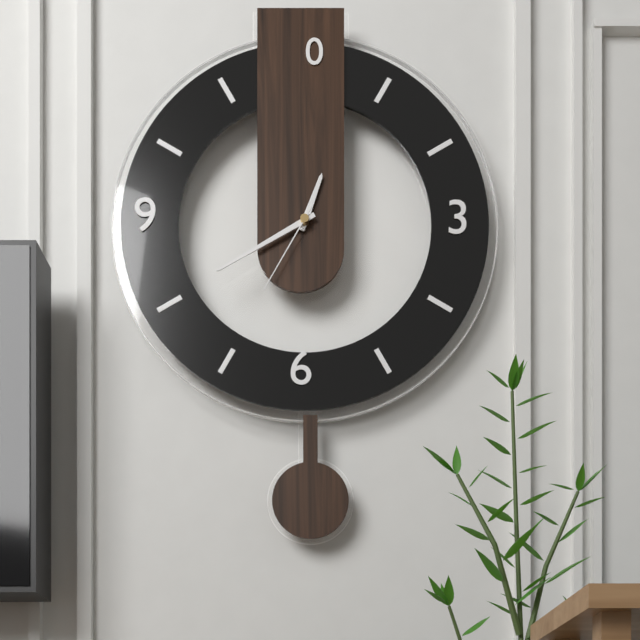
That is h=12 m=40 s=35
